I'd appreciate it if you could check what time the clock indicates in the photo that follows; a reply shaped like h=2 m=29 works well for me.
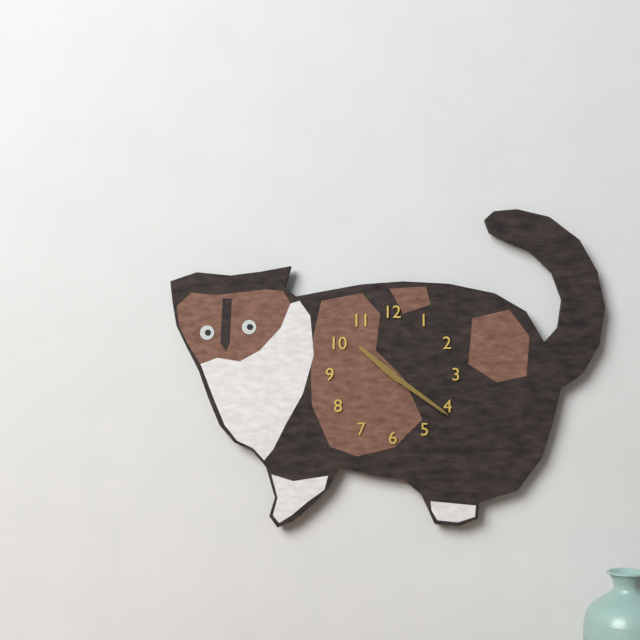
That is h=10 m=21
